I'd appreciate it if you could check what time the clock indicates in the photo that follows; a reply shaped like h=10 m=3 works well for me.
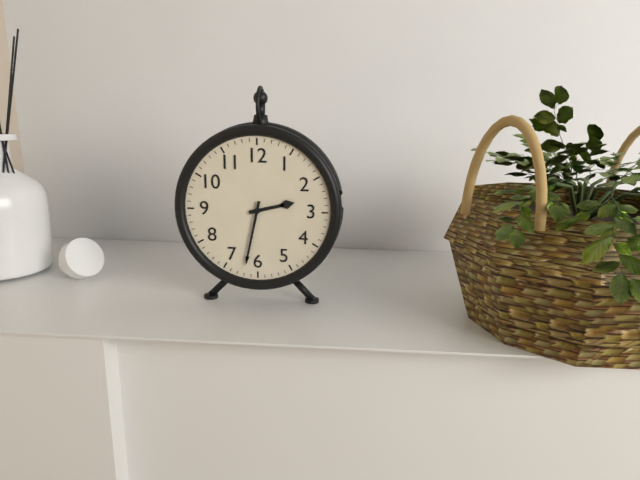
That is h=2 m=32
